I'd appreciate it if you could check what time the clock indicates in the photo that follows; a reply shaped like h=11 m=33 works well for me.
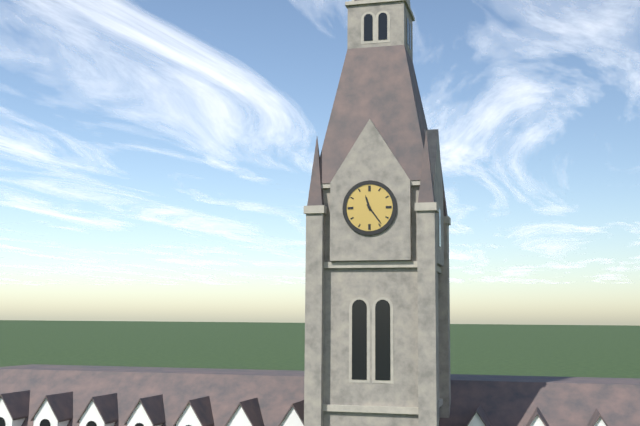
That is h=11 m=24
